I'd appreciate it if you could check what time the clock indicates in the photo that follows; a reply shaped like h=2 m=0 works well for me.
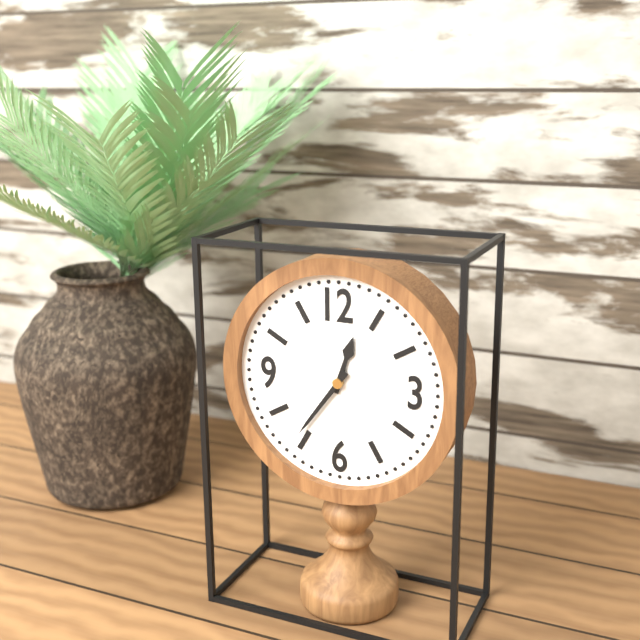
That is h=12 m=36
